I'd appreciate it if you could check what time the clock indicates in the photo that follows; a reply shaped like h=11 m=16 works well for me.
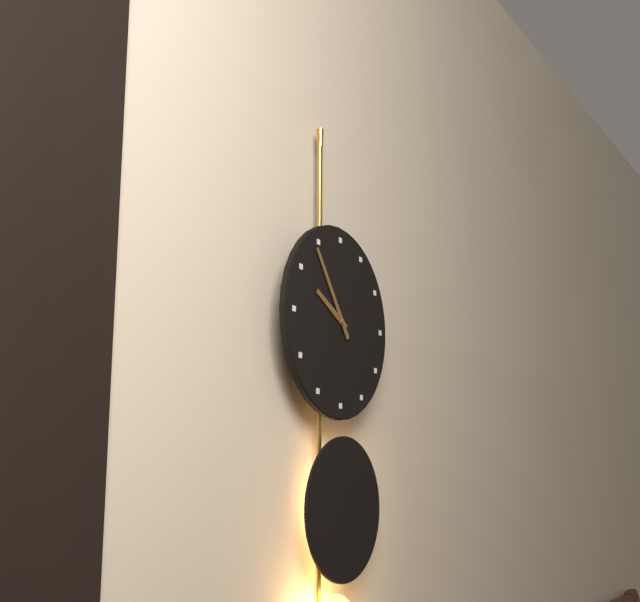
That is h=9 m=54
